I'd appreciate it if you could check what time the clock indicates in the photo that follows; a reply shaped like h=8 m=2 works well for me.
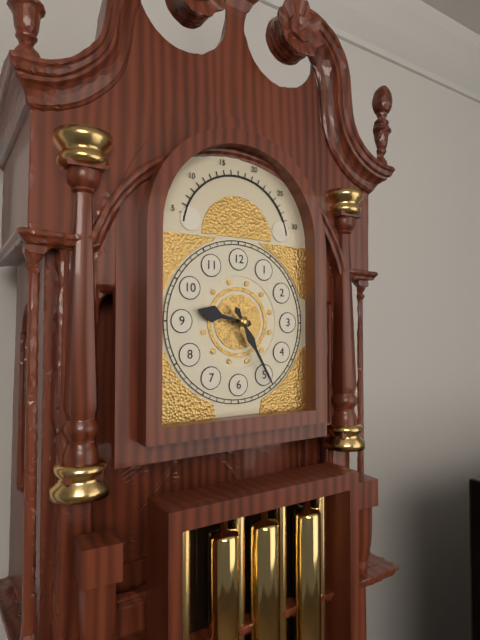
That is h=9 m=25
